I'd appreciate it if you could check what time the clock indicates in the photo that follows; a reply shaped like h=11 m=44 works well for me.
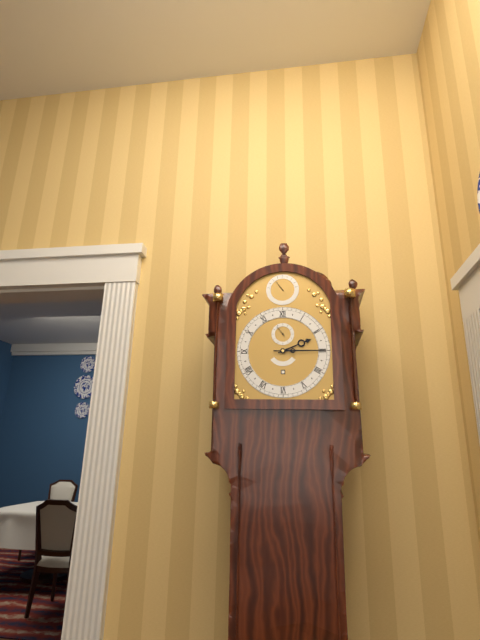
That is h=2 m=15
